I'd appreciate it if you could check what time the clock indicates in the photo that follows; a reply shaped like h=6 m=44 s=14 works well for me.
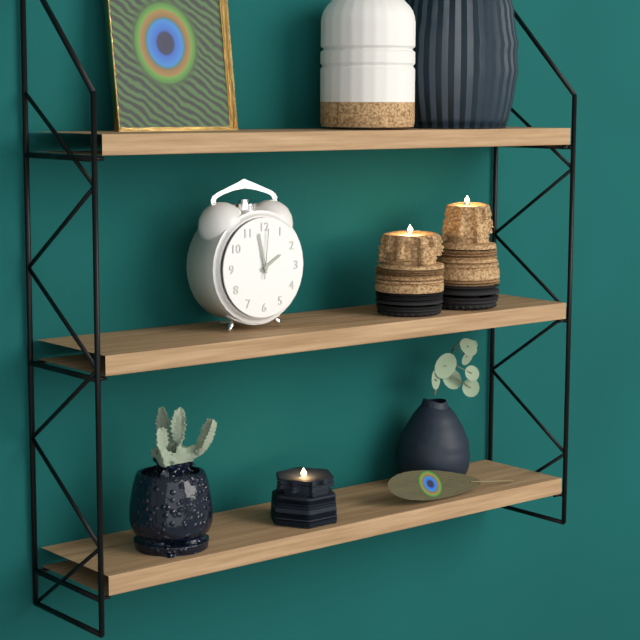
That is h=1 m=58 s=1
